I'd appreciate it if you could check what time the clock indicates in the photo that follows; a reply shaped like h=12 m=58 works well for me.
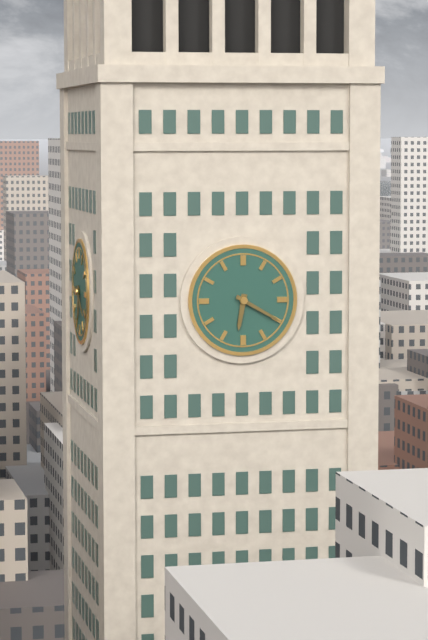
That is h=6 m=20
